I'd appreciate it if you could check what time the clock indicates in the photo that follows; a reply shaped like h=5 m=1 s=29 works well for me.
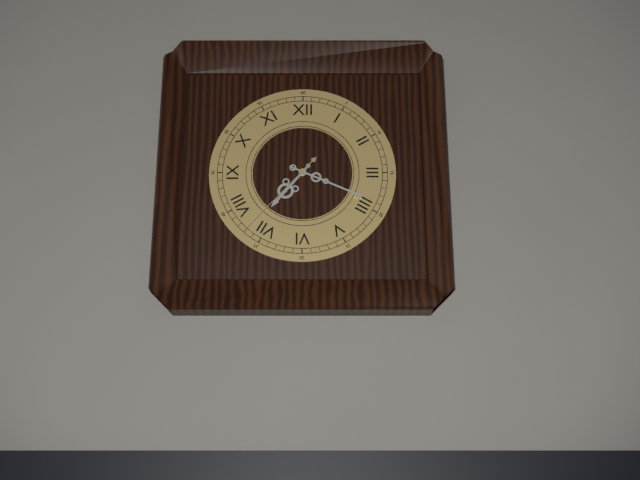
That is h=7 m=19 s=37
